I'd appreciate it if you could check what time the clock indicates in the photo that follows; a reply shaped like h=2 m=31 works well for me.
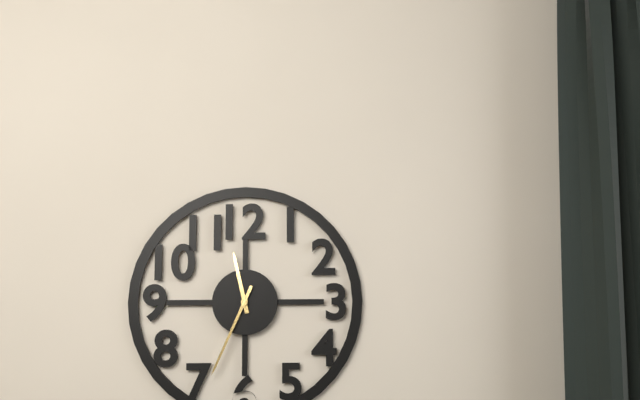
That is h=11 m=34
